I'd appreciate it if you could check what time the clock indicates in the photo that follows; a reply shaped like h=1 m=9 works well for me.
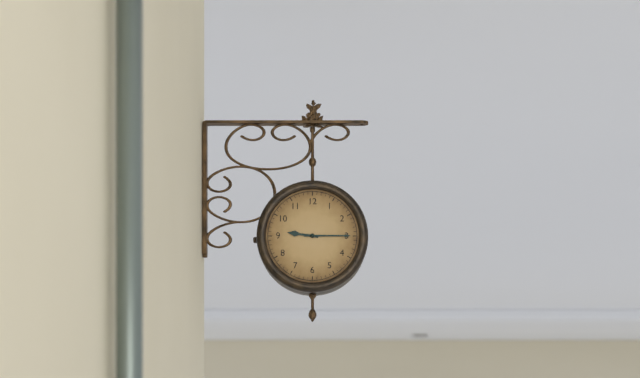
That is h=9 m=15
